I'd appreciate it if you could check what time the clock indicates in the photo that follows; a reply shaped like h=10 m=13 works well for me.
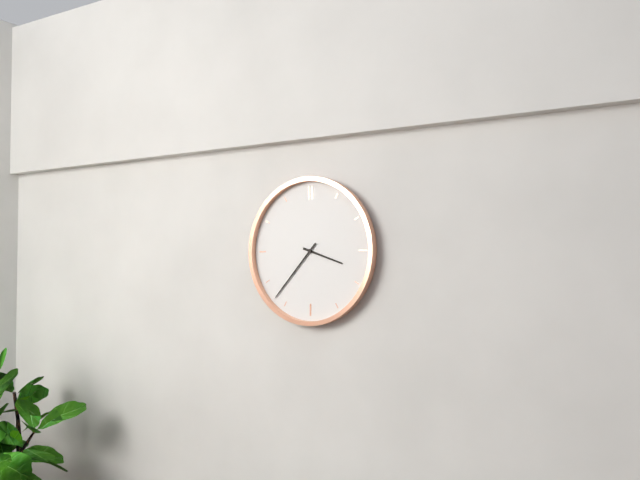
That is h=3 m=37
